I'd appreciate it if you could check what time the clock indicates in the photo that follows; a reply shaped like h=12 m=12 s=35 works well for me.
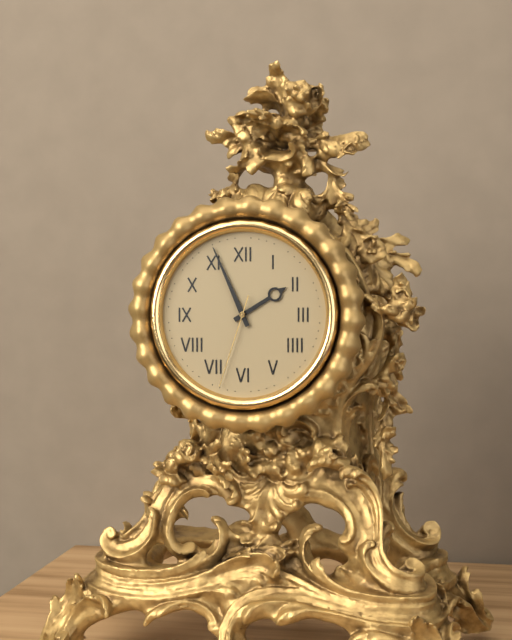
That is h=1 m=56 s=33
